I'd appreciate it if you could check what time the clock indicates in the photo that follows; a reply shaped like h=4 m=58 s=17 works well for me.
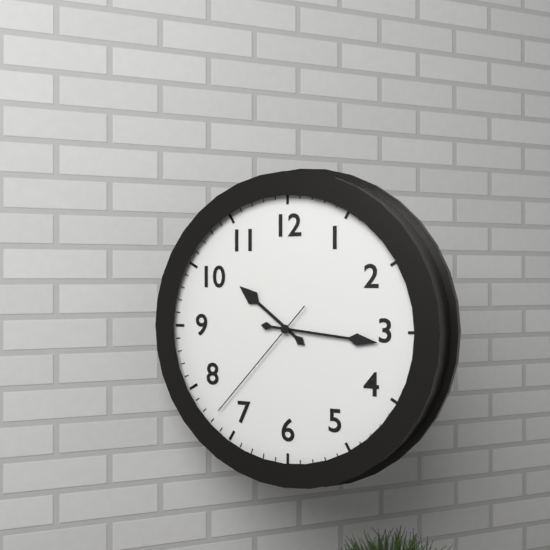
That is h=10 m=16 s=37
